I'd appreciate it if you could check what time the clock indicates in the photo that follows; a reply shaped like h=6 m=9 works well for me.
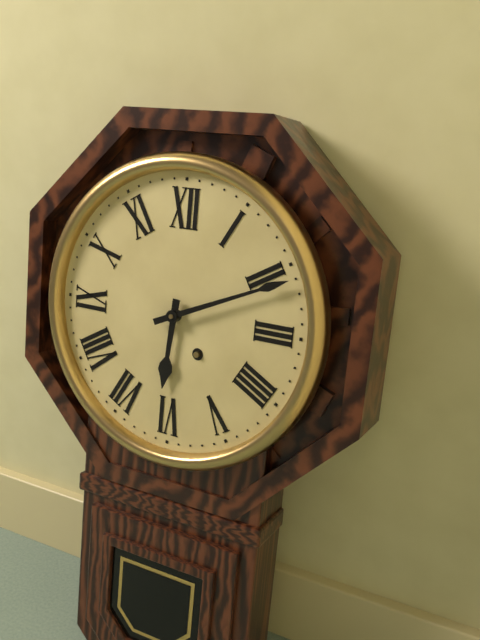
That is h=6 m=11
